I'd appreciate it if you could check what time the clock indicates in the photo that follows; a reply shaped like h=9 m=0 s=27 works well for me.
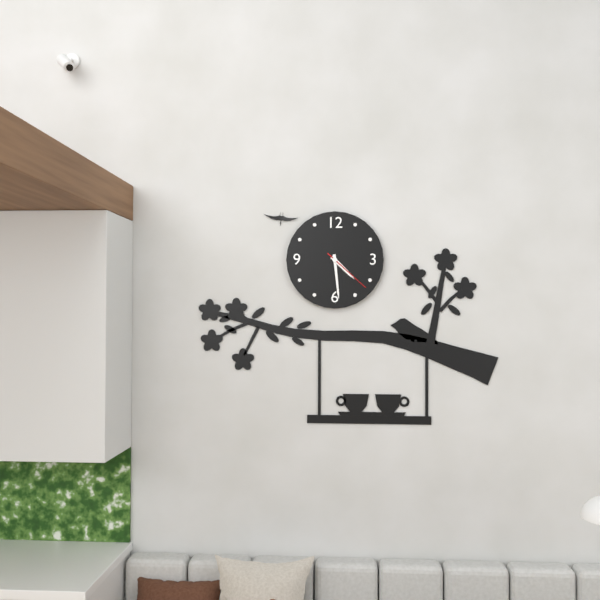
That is h=4 m=29 s=22
